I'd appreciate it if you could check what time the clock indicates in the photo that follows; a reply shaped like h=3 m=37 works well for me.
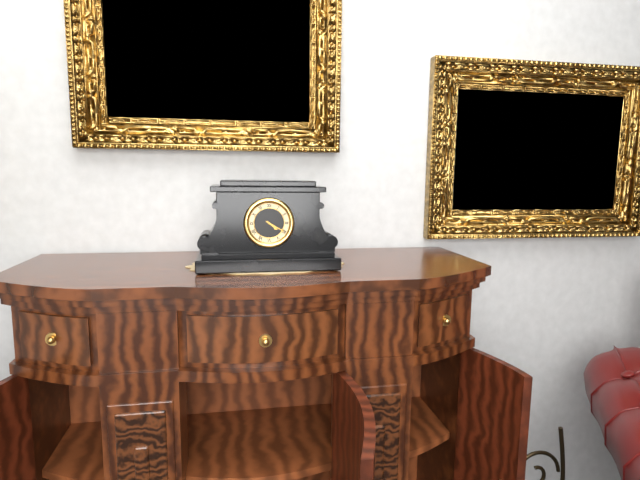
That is h=4 m=20
